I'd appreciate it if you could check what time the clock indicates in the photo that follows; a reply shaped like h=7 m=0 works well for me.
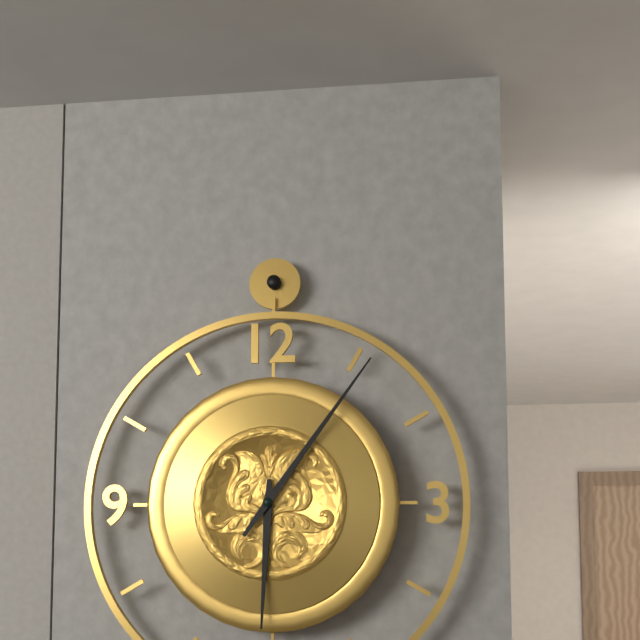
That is h=6 m=6
